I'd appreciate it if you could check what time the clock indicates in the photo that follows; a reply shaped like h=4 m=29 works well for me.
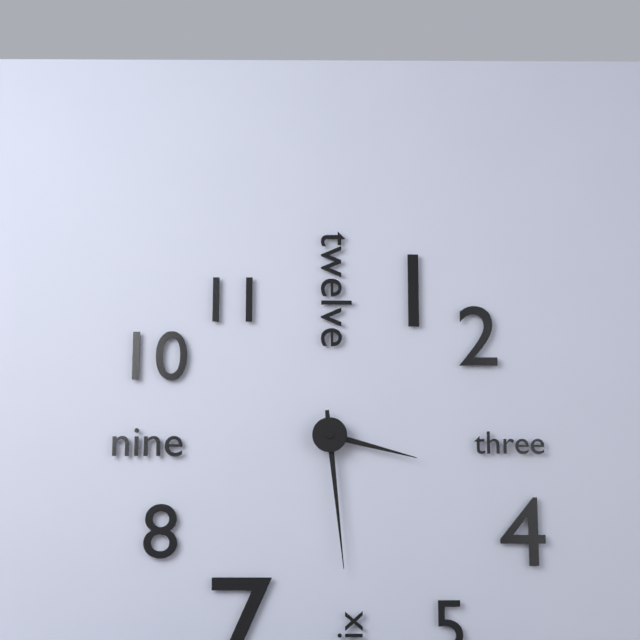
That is h=3 m=29
